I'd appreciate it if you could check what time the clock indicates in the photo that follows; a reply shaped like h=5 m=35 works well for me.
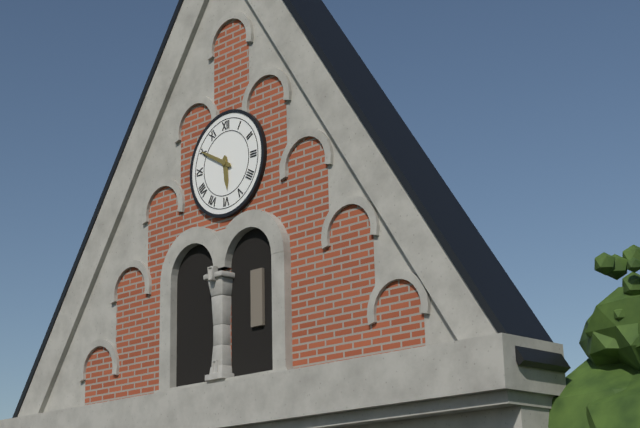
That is h=5 m=50
